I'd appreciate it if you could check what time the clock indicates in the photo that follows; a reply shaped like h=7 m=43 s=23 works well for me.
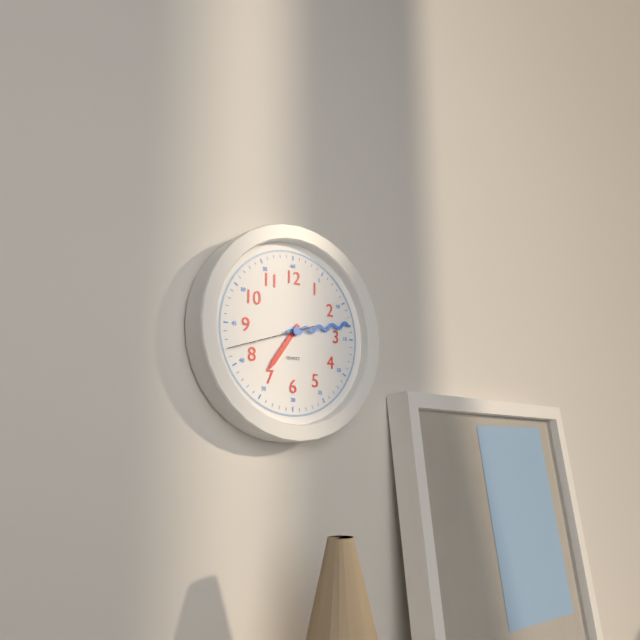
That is h=7 m=13 s=42
